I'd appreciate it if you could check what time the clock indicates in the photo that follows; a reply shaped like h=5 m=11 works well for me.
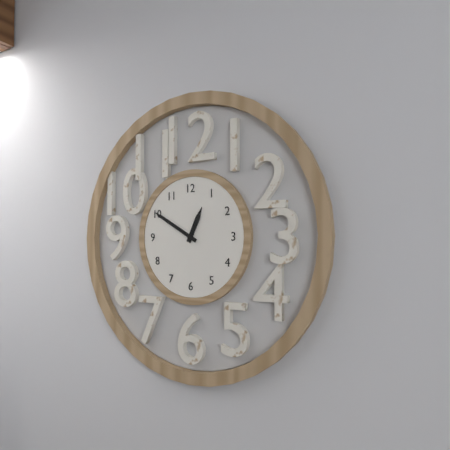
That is h=12 m=50
